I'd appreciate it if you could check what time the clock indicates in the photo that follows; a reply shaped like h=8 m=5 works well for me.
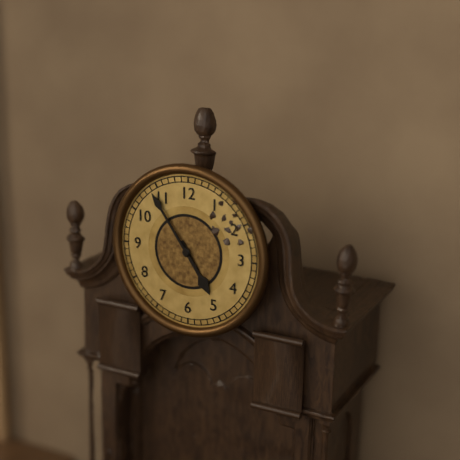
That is h=4 m=54
